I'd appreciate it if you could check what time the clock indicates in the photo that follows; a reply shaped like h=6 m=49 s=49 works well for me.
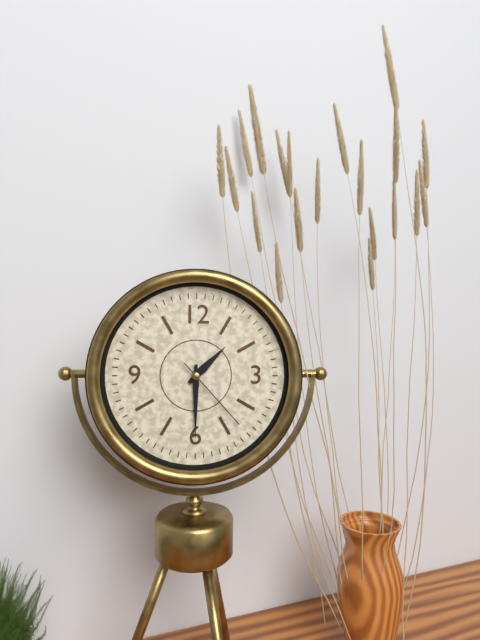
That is h=1 m=30 s=23
